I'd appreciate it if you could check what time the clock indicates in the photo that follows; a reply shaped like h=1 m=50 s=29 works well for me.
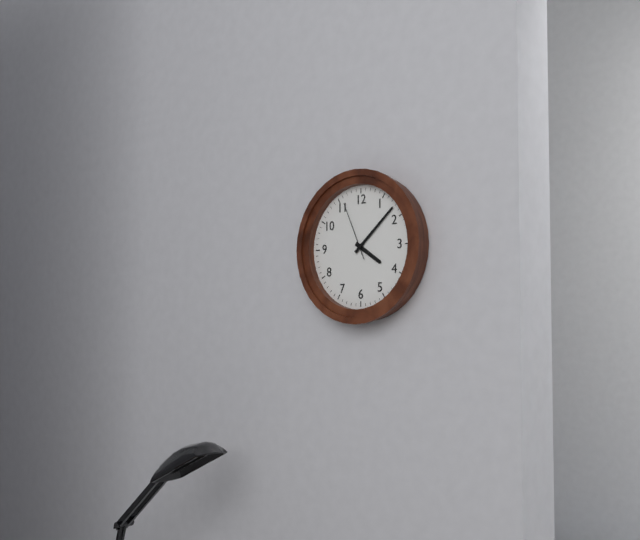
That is h=4 m=8 s=56
